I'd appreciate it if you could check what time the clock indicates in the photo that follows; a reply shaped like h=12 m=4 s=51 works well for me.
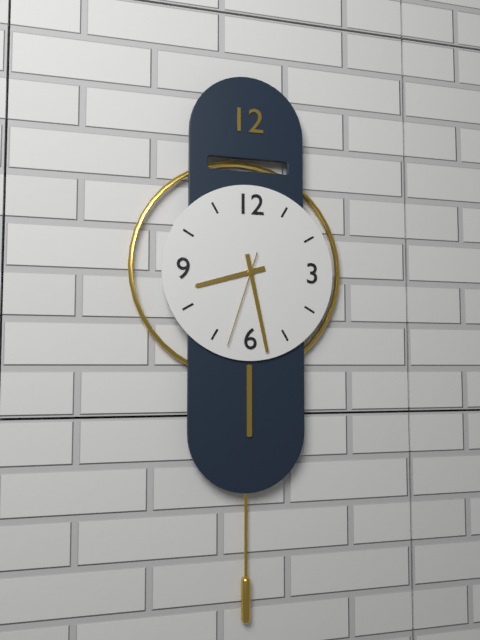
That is h=8 m=28 s=33
